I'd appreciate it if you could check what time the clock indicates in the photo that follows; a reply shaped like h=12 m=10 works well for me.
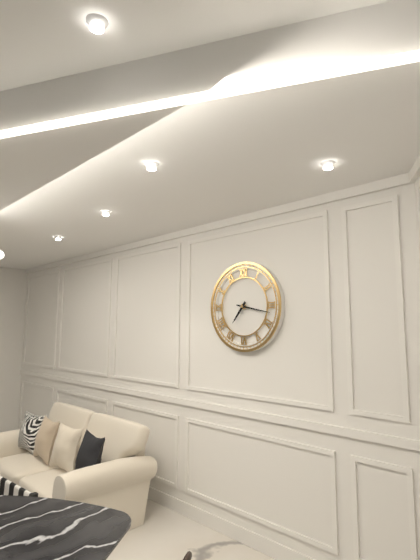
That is h=7 m=17
